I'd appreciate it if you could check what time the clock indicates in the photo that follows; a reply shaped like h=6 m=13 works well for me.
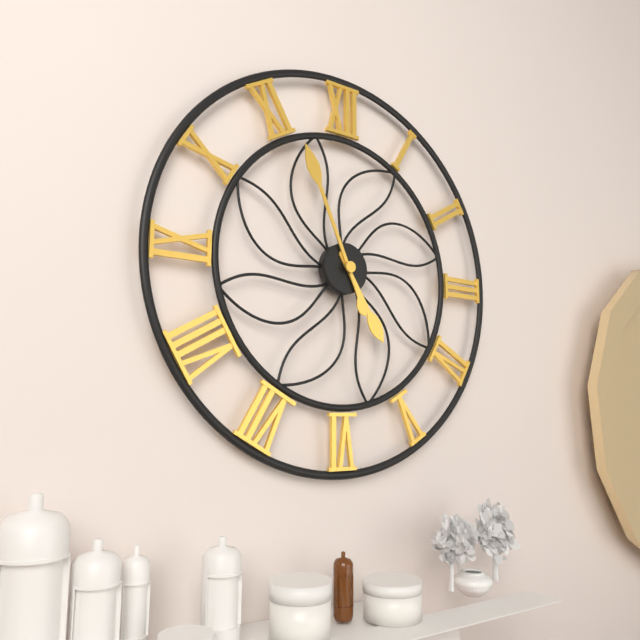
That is h=4 m=56
